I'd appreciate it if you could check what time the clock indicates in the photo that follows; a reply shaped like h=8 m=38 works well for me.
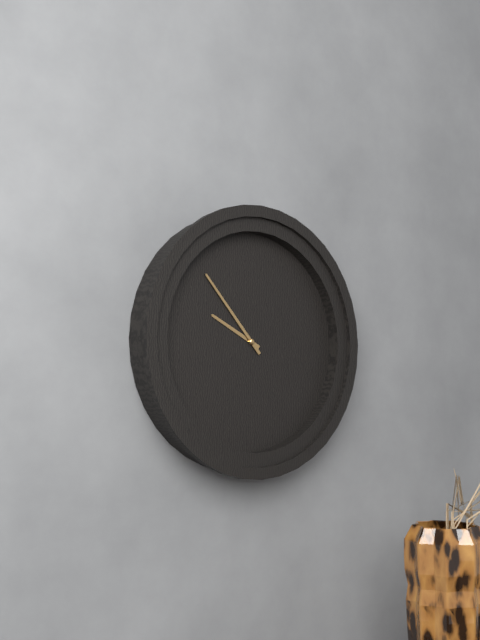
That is h=9 m=53
